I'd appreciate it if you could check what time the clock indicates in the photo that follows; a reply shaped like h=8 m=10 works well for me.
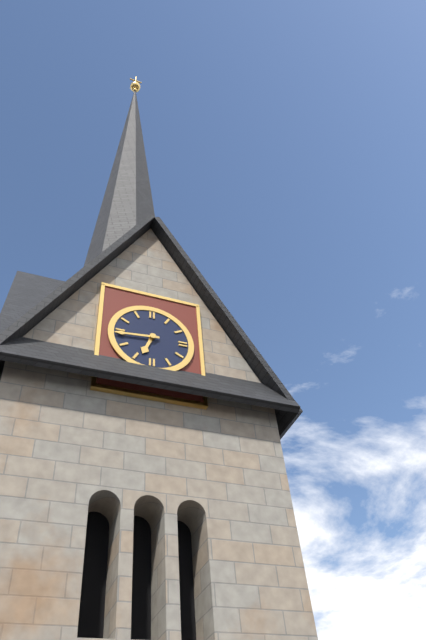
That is h=6 m=44
